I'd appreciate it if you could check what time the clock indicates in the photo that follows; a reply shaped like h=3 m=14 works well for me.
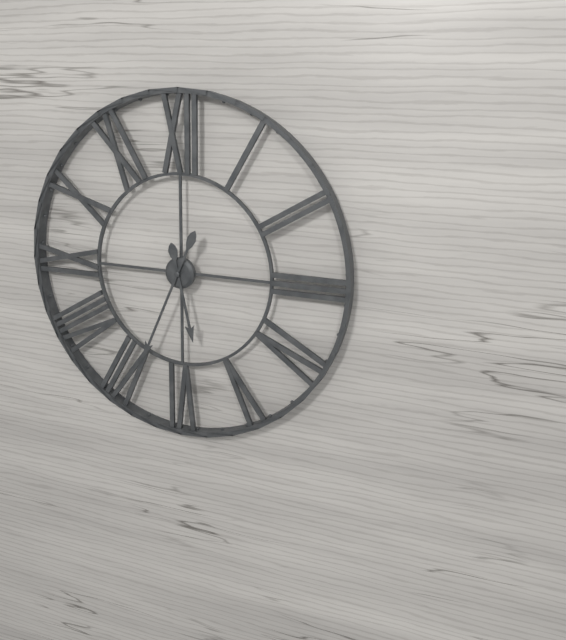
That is h=5 m=34
